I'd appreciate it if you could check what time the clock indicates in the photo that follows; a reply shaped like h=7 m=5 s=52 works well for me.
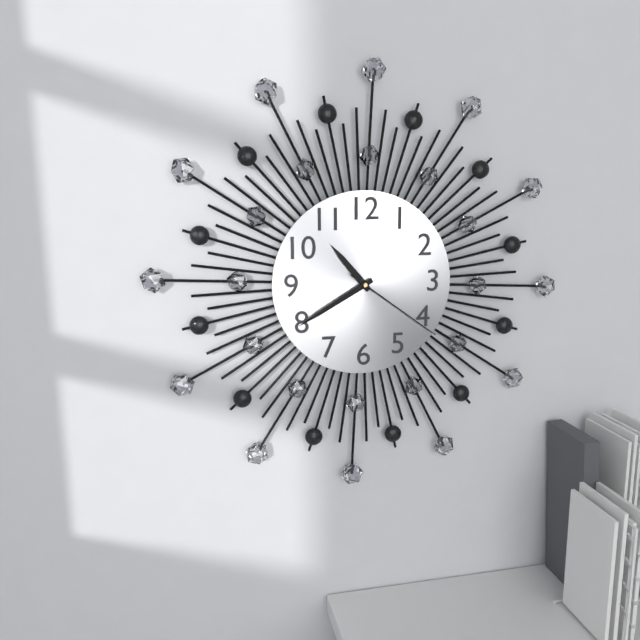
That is h=10 m=40 s=21
